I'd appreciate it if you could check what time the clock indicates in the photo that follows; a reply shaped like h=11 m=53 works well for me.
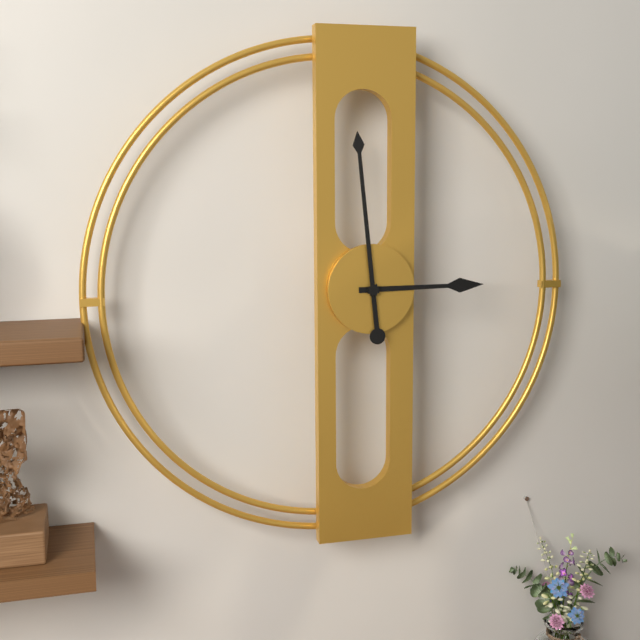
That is h=2 m=59
